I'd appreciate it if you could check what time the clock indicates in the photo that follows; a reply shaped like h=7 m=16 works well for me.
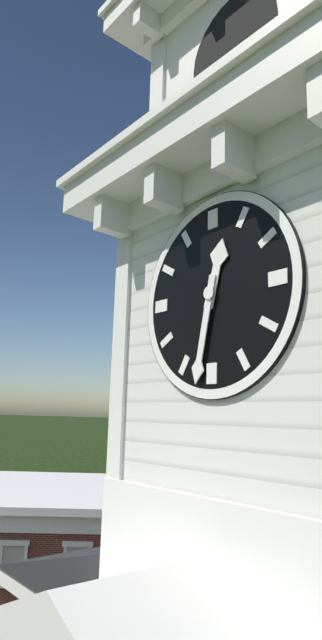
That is h=12 m=32
